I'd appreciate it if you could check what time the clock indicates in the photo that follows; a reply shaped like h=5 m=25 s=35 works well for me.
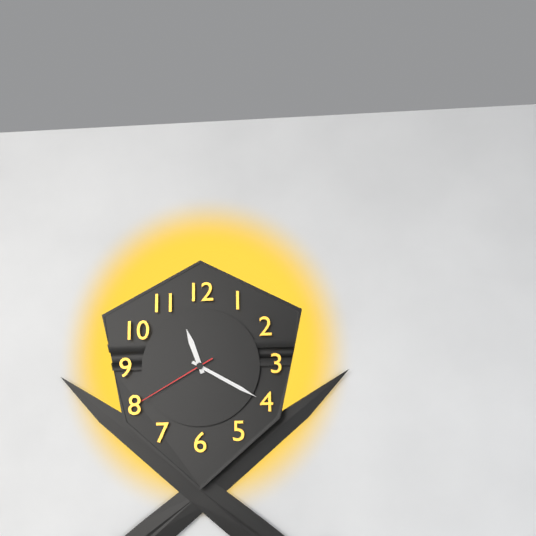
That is h=11 m=20 s=40
